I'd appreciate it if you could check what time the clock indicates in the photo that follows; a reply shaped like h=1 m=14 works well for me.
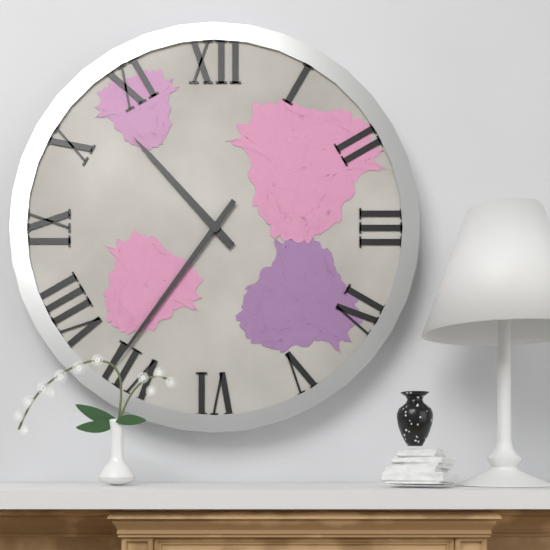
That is h=10 m=36
